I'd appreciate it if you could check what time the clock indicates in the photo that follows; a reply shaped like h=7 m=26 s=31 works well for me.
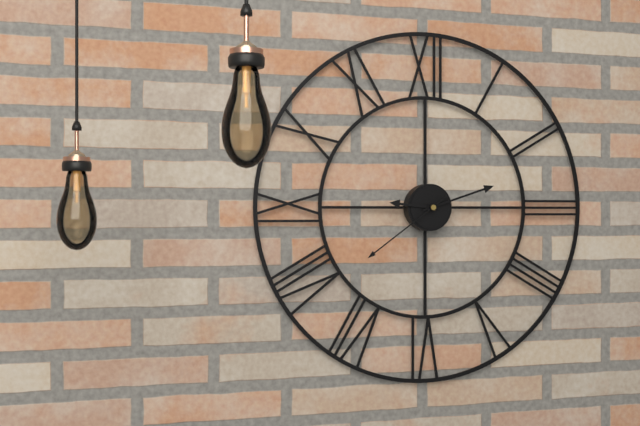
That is h=9 m=12 s=39
